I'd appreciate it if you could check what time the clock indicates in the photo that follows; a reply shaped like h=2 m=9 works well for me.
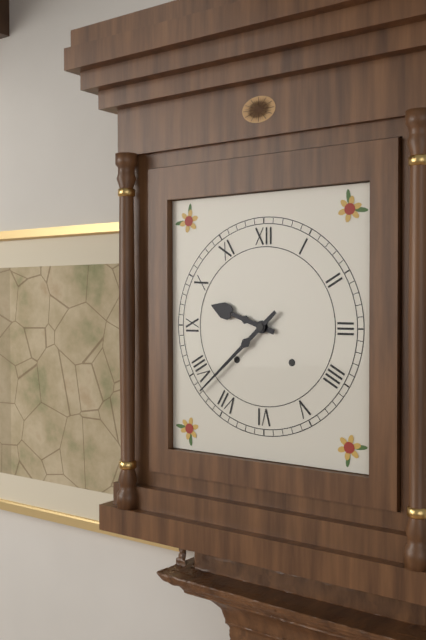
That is h=9 m=38
